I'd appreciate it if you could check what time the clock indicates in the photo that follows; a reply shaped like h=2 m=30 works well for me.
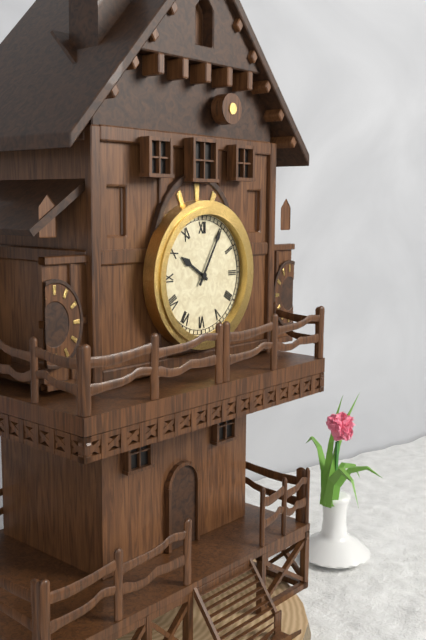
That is h=10 m=5
